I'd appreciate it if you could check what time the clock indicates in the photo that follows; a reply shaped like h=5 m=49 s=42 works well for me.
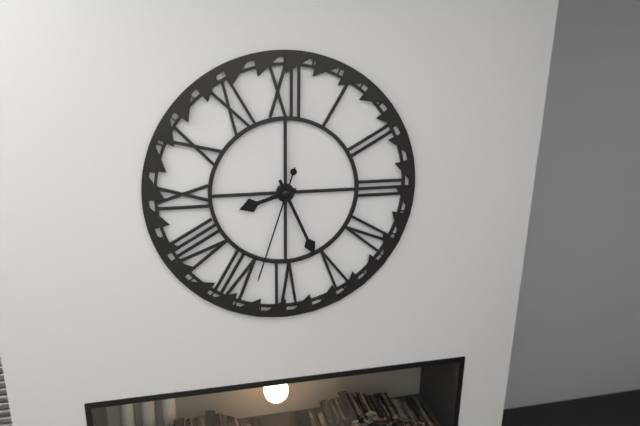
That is h=8 m=26 s=33
